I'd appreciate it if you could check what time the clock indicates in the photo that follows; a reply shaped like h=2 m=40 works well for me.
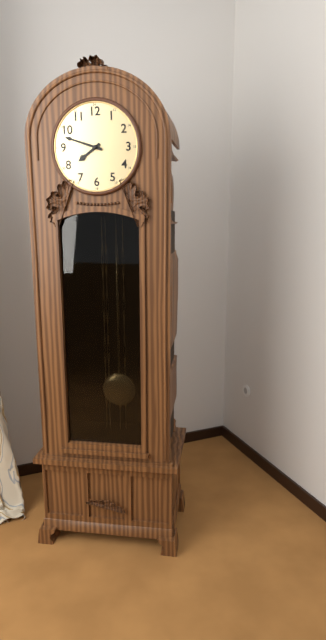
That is h=7 m=48
